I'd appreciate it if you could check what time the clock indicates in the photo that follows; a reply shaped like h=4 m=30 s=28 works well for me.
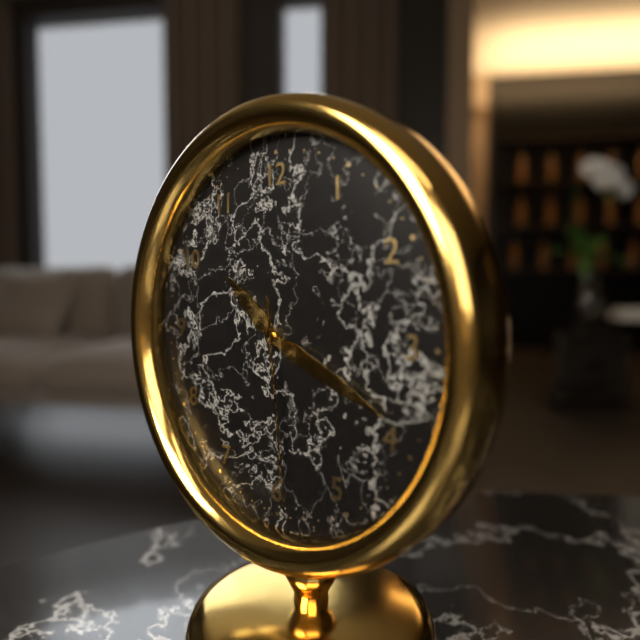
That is h=10 m=19 s=29
